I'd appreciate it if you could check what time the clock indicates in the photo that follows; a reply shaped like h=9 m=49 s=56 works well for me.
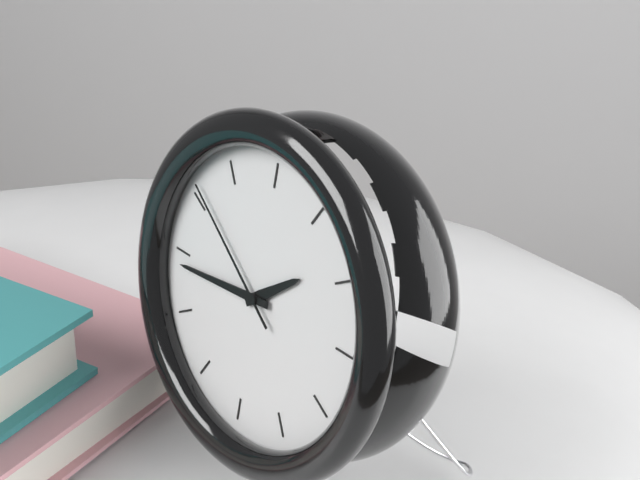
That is h=1 m=44 s=51
